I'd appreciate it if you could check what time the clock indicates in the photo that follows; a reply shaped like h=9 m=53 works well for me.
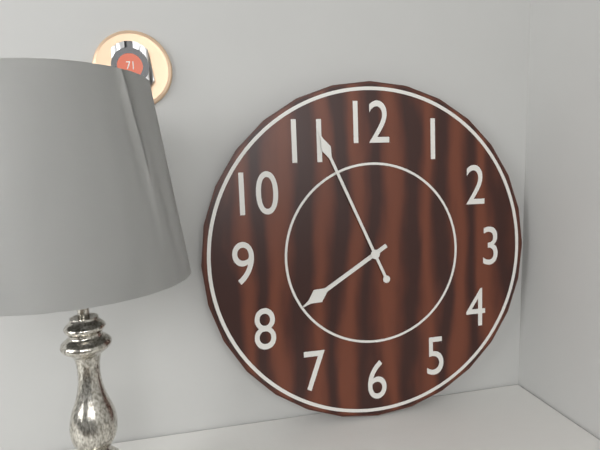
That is h=7 m=56
